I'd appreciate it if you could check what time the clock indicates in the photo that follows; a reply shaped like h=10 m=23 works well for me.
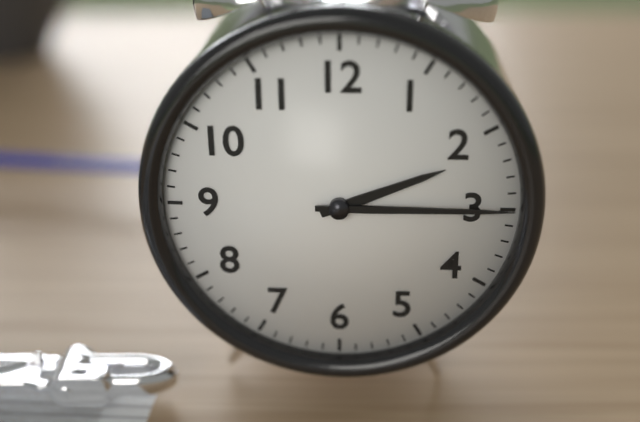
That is h=2 m=15
